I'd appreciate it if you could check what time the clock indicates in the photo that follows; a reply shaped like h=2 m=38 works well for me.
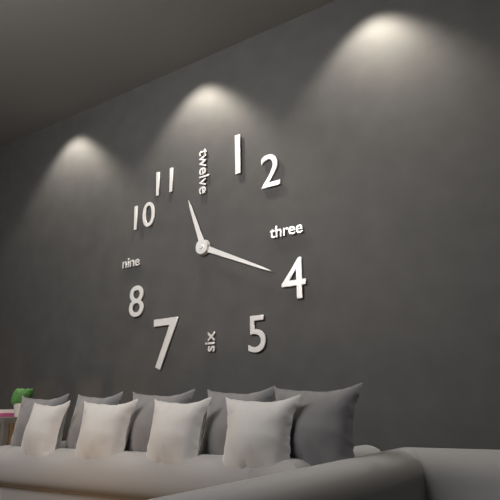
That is h=11 m=19
